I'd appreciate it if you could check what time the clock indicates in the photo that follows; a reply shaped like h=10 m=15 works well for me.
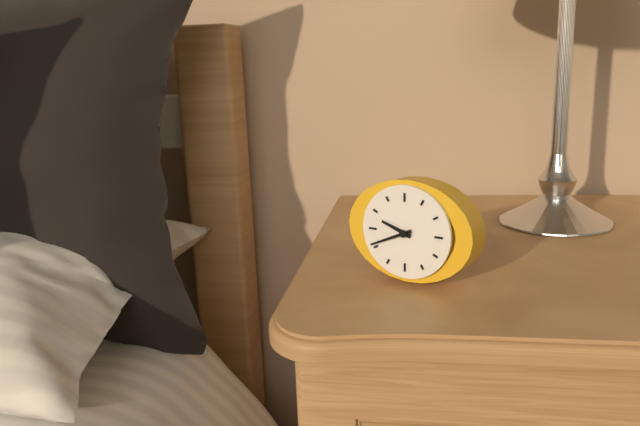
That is h=9 m=41
